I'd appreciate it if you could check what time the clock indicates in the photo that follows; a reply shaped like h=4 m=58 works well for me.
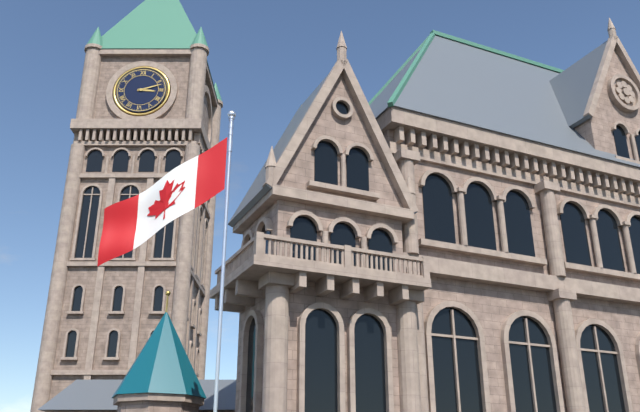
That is h=3 m=12
